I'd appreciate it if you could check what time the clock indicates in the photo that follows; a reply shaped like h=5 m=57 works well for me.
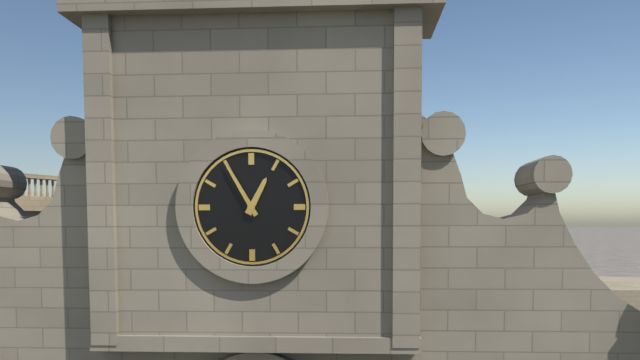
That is h=12 m=55
